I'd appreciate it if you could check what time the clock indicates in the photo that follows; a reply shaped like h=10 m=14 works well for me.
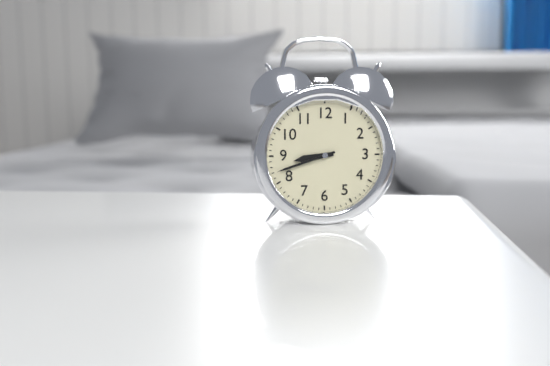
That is h=8 m=42
